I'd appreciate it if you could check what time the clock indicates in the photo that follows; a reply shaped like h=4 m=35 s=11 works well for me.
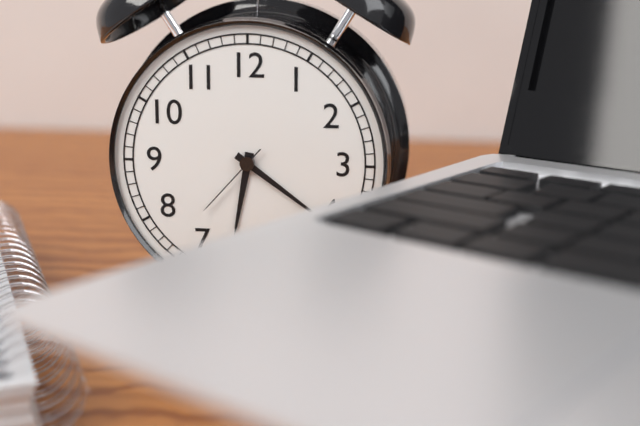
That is h=6 m=21 s=37
